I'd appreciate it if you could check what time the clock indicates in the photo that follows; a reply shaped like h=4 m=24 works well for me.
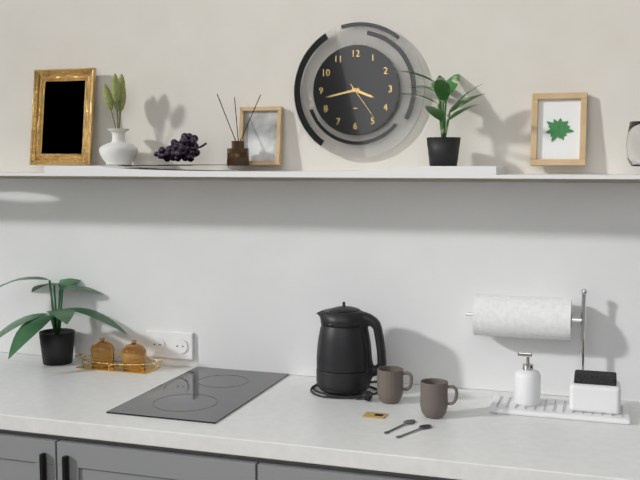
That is h=3 m=43
